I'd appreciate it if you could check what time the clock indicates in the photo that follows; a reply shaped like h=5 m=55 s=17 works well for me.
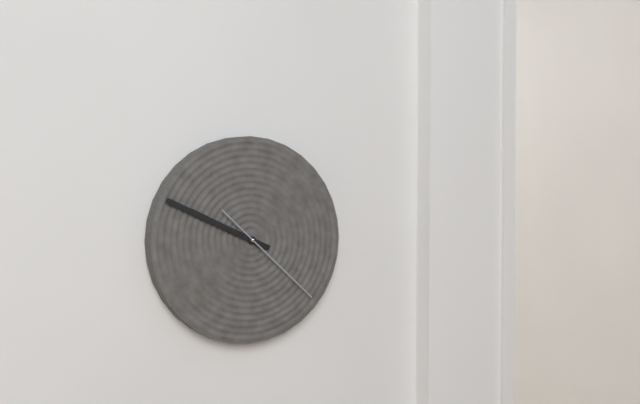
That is h=9 m=49 s=22
